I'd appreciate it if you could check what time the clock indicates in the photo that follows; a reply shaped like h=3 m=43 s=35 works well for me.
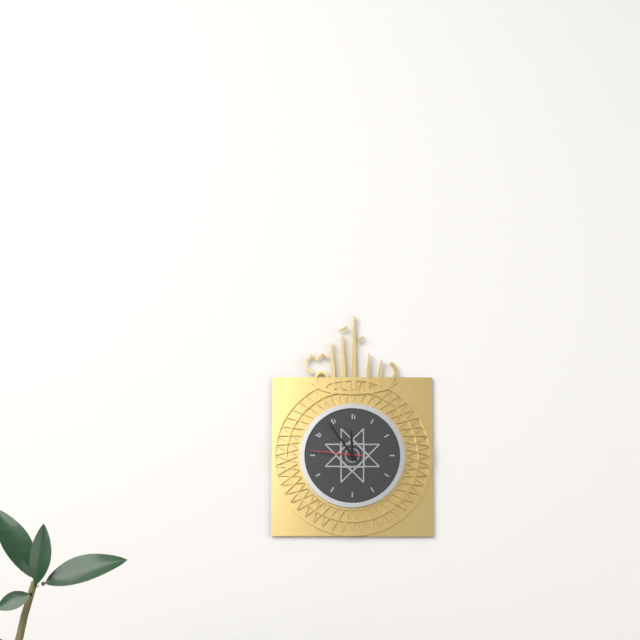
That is h=11 m=54 s=46
